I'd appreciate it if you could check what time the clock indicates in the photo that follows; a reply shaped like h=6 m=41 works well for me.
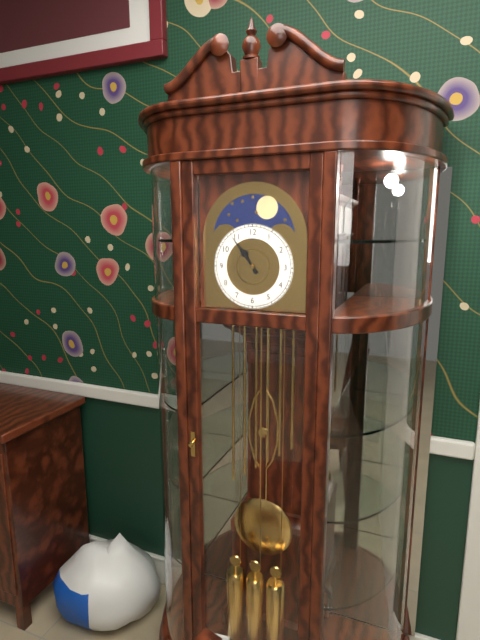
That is h=10 m=54
